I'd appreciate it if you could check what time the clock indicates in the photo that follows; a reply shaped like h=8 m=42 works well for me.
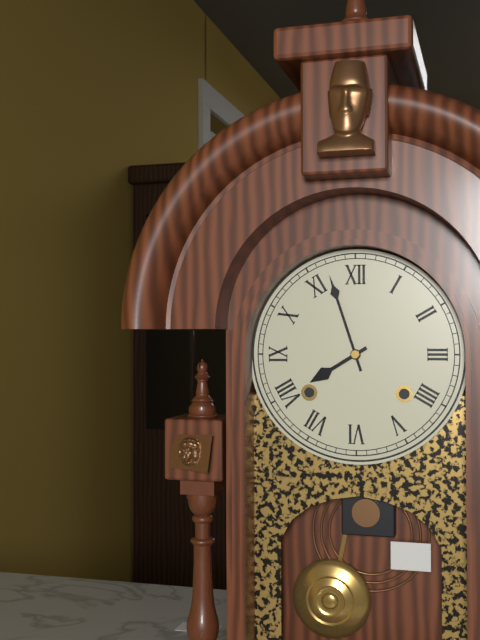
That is h=7 m=57
